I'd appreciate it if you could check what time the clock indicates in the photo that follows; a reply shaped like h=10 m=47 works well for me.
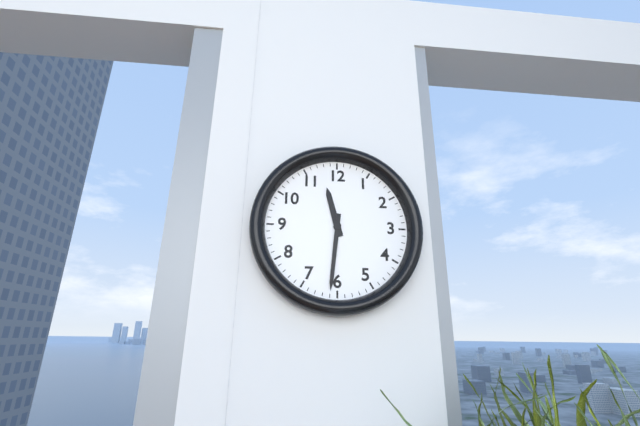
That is h=11 m=31
